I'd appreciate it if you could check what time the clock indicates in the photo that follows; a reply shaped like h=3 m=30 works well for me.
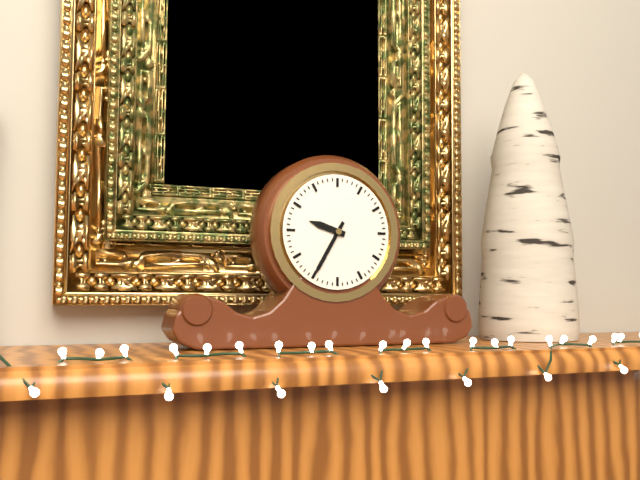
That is h=9 m=35
